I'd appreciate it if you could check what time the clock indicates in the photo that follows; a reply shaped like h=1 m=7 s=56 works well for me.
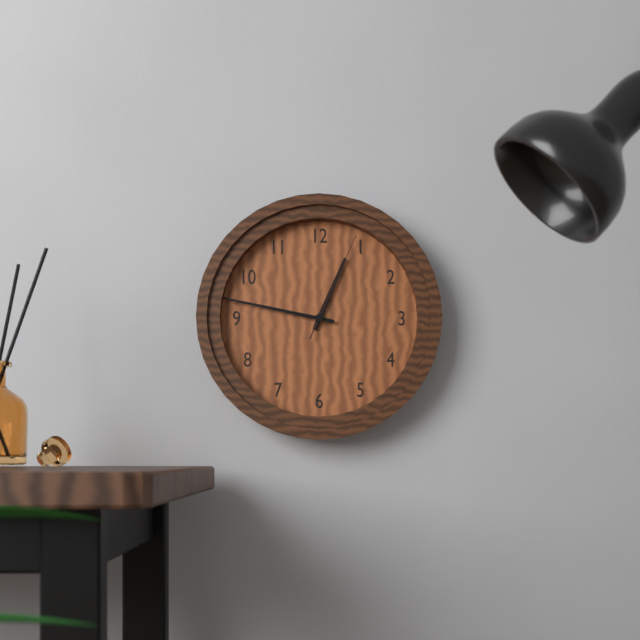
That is h=12 m=47 s=4
